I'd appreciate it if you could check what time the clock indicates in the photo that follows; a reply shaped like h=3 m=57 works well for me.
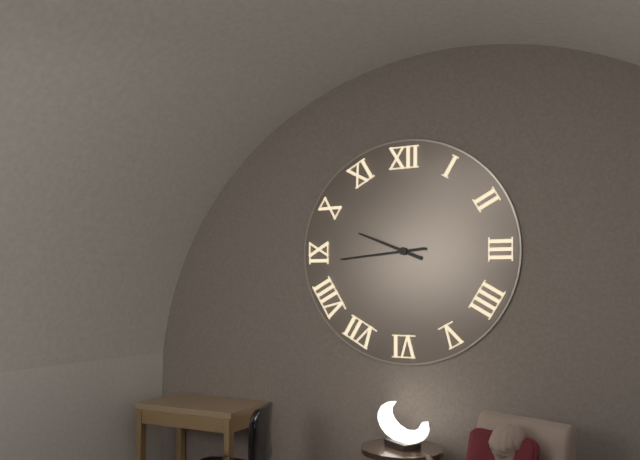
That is h=9 m=44
